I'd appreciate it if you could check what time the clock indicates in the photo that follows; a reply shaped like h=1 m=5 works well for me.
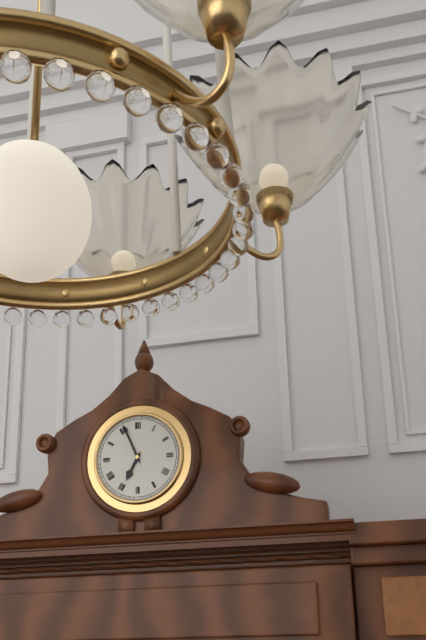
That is h=6 m=56
